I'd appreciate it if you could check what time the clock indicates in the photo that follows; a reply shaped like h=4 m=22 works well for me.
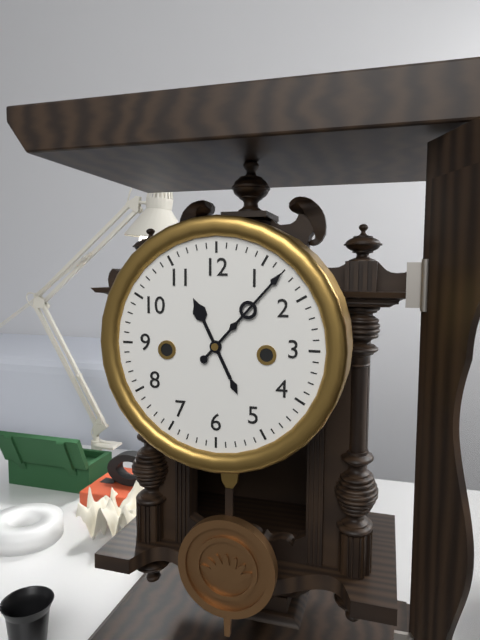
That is h=11 m=7
